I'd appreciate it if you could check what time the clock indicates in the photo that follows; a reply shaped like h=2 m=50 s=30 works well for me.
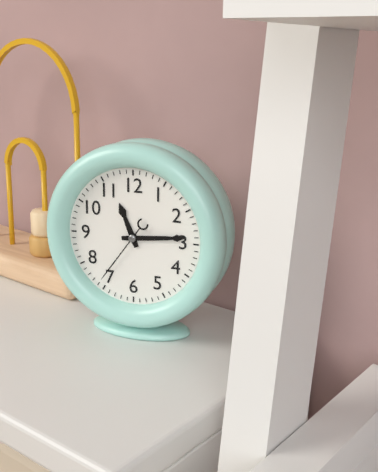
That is h=11 m=14 s=36
